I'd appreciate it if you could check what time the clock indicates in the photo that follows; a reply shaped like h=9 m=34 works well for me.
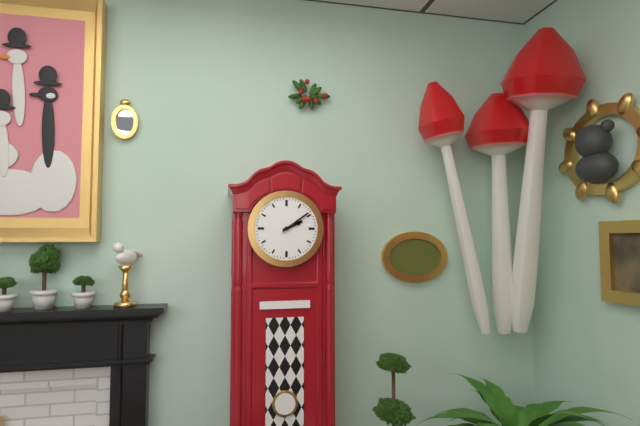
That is h=2 m=9
